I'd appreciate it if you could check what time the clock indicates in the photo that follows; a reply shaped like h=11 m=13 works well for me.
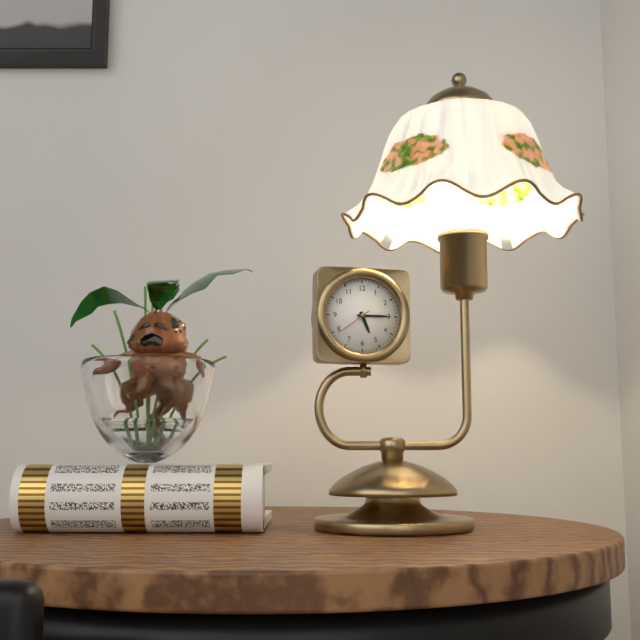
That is h=5 m=15
